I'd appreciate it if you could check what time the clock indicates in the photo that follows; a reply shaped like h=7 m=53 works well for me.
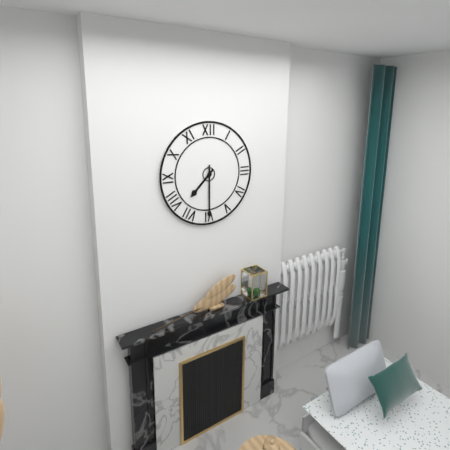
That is h=7 m=30
